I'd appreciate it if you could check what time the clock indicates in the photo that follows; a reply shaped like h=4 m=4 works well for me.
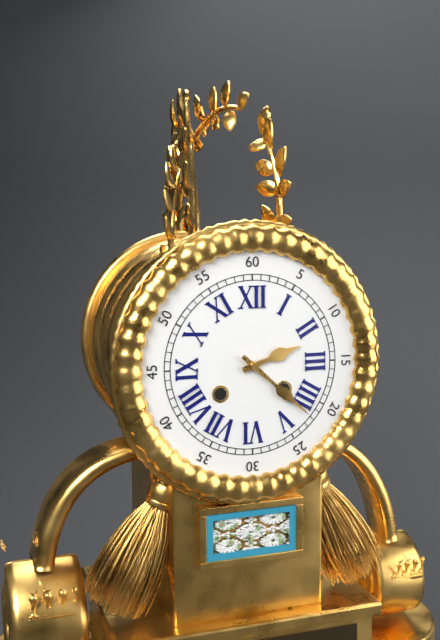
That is h=2 m=22
